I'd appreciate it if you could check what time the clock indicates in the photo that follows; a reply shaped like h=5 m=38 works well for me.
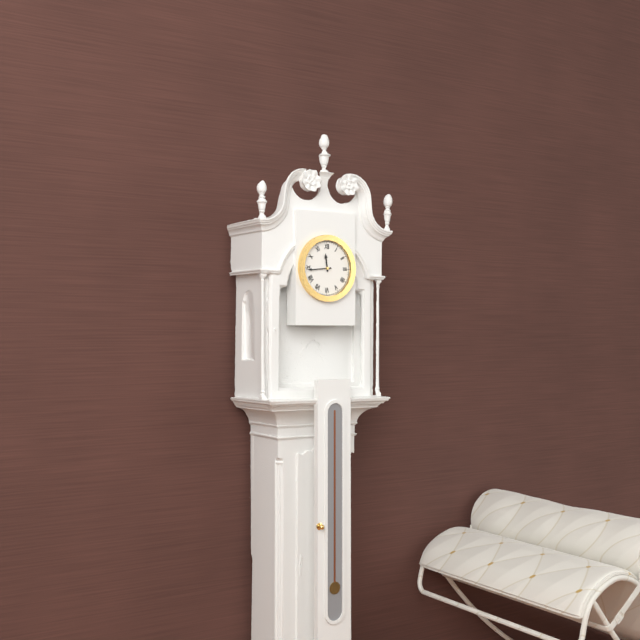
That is h=11 m=44
